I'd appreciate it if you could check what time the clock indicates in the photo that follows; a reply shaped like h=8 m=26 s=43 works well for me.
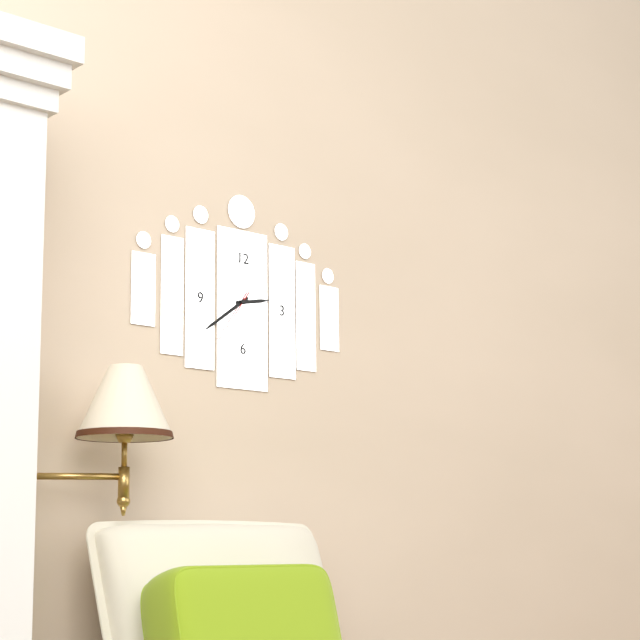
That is h=2 m=39 s=36
